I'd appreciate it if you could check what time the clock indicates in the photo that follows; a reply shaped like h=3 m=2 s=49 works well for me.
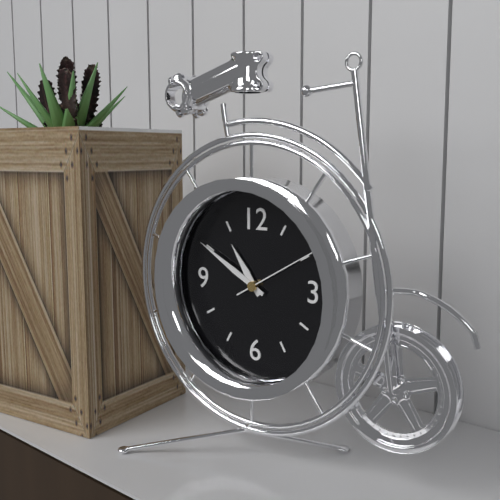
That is h=10 m=50 s=10
